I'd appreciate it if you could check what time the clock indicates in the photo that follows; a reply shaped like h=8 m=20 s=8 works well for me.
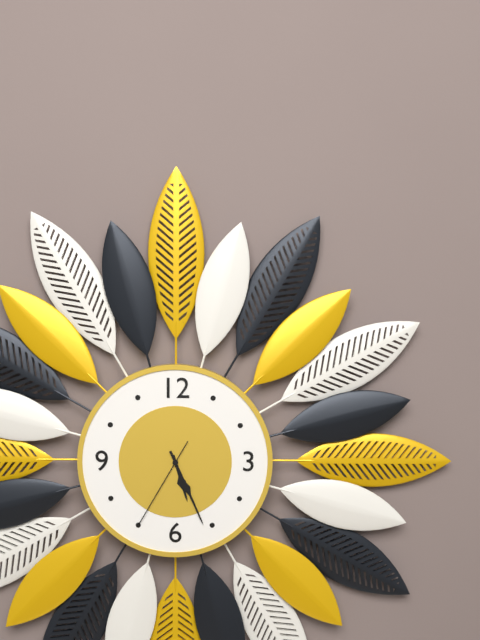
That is h=5 m=26 s=35
